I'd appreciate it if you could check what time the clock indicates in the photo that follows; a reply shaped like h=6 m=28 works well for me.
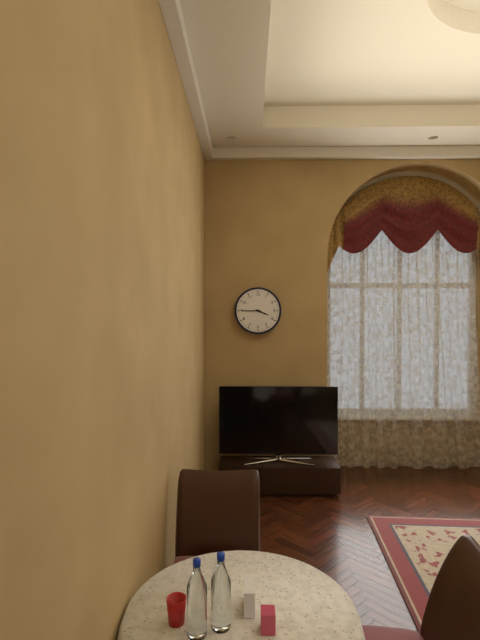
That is h=3 m=45
